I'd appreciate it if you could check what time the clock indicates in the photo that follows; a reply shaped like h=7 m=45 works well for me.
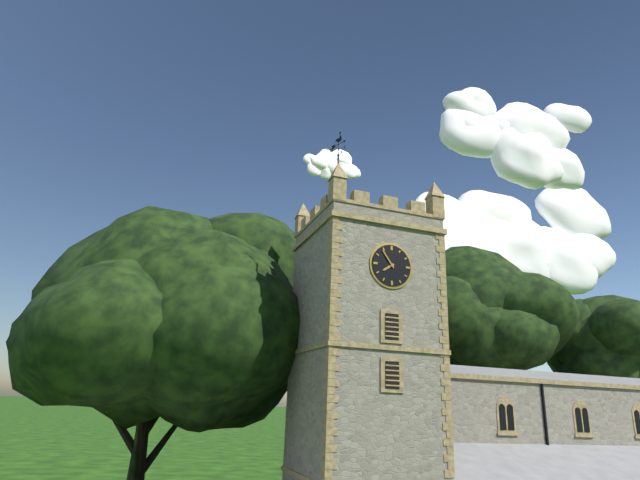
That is h=7 m=54
